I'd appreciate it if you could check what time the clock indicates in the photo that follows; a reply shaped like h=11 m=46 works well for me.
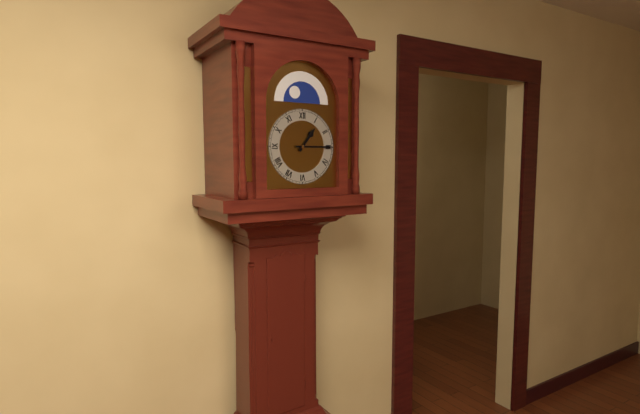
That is h=1 m=15
